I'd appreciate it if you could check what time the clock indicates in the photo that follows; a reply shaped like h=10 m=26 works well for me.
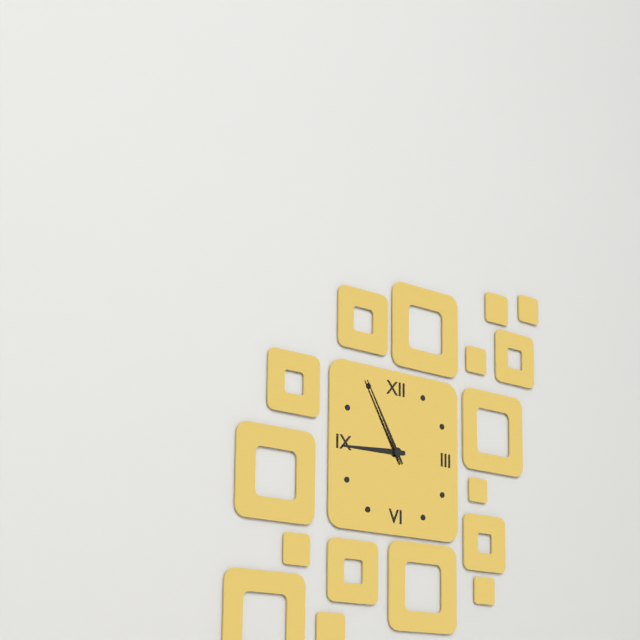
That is h=8 m=55
